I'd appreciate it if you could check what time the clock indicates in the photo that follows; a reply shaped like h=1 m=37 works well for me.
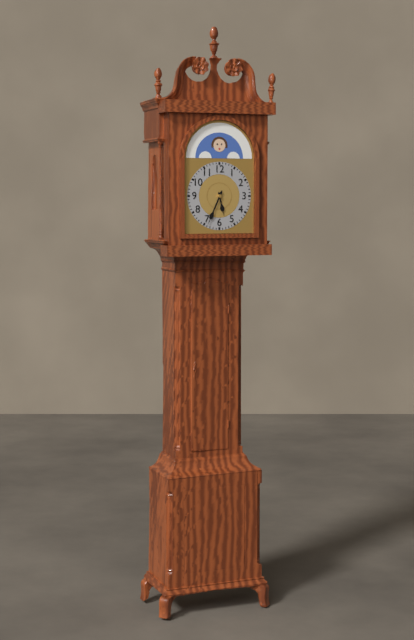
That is h=5 m=34
